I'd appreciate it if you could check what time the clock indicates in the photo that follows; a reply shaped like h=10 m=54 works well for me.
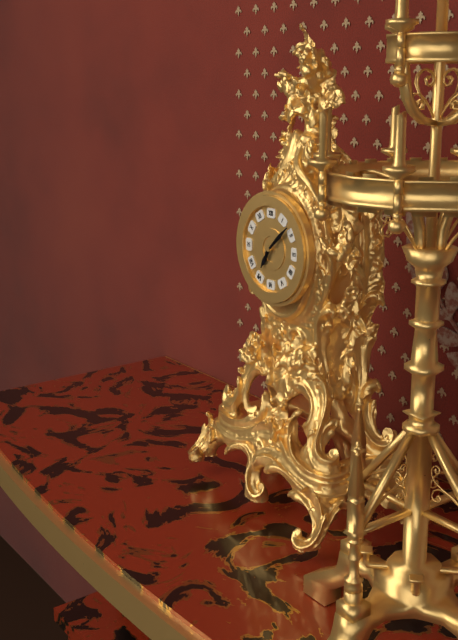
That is h=7 m=8
